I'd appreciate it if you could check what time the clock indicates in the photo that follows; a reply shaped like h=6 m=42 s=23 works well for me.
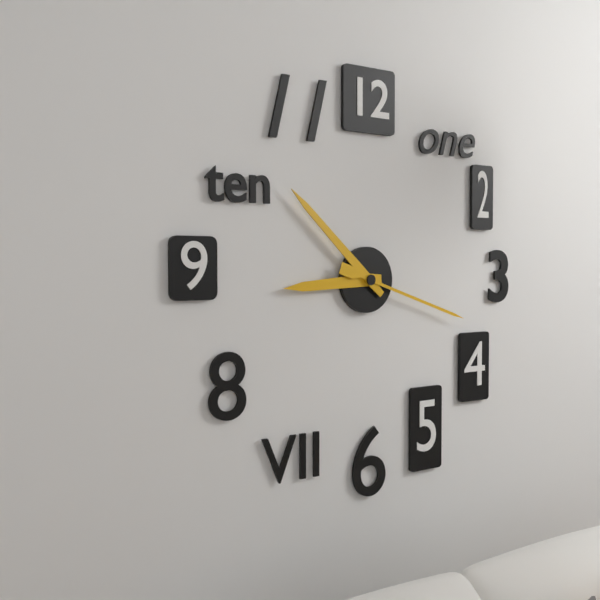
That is h=8 m=52 s=18
